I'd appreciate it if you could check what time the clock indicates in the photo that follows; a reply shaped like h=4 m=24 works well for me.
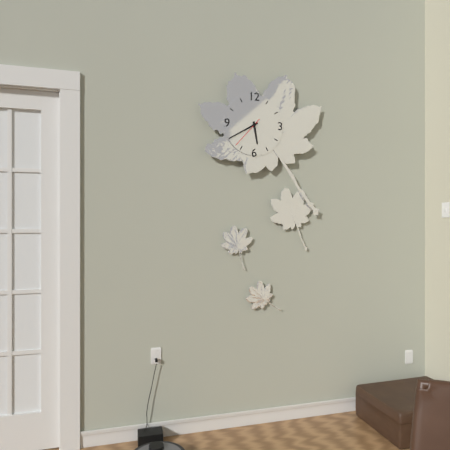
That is h=5 m=40
